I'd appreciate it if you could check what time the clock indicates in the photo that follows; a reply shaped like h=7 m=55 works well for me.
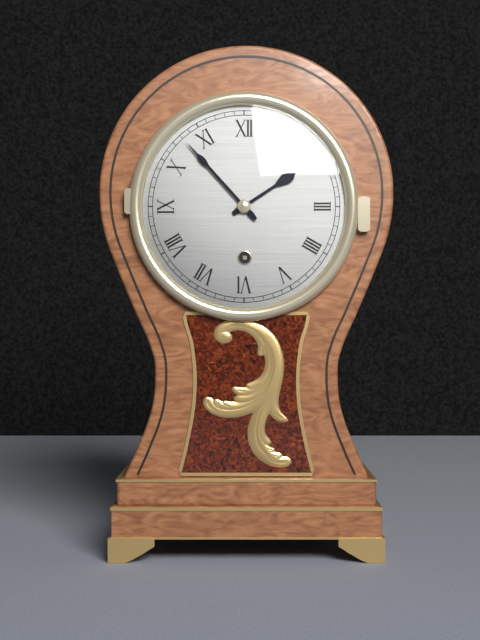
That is h=1 m=53
